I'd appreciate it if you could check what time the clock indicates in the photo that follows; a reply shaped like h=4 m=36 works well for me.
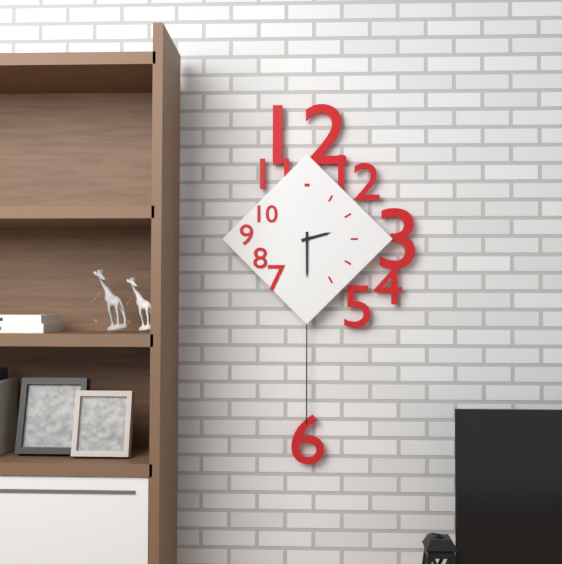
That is h=2 m=30
